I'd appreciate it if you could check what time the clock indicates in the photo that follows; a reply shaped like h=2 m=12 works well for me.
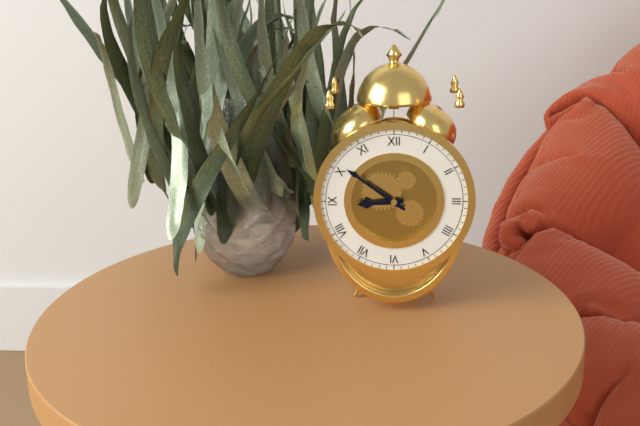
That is h=8 m=51
